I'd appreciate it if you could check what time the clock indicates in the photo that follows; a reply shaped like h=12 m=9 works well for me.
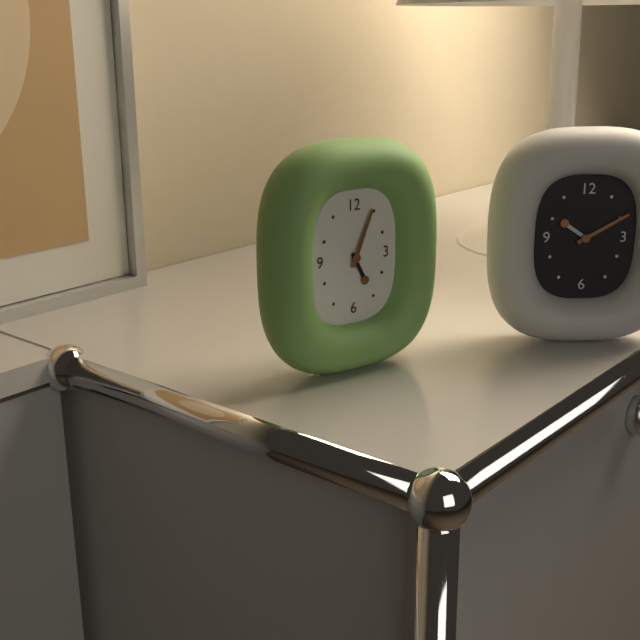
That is h=5 m=4
